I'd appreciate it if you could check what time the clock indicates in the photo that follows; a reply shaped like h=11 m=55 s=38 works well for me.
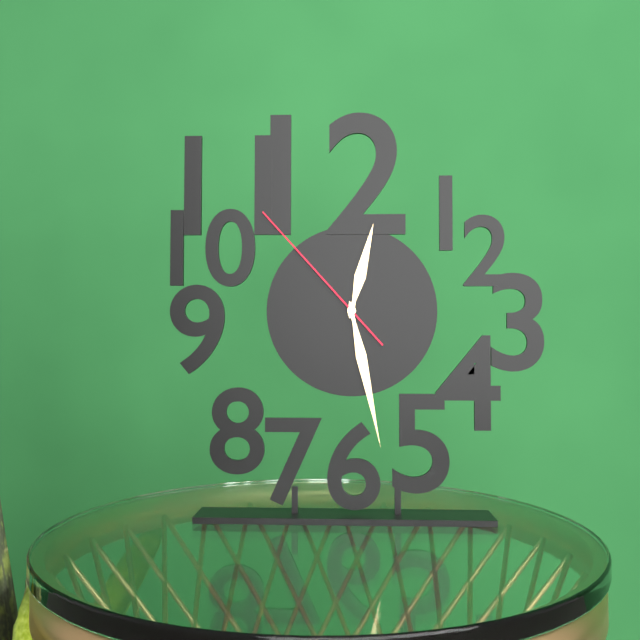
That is h=12 m=28 s=53
